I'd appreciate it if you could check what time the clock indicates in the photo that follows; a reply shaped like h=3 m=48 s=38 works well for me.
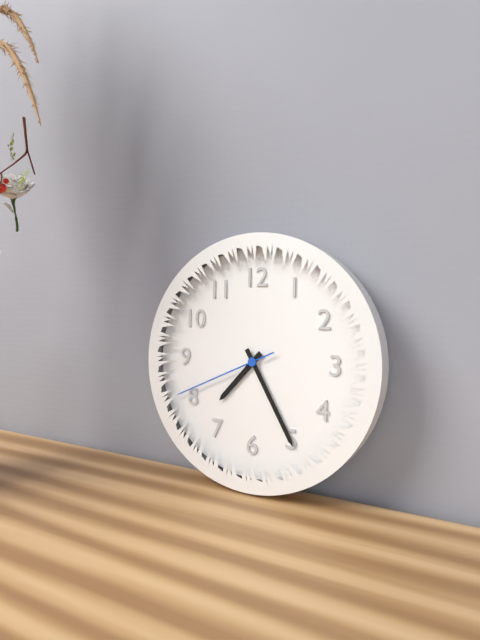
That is h=7 m=25 s=41
